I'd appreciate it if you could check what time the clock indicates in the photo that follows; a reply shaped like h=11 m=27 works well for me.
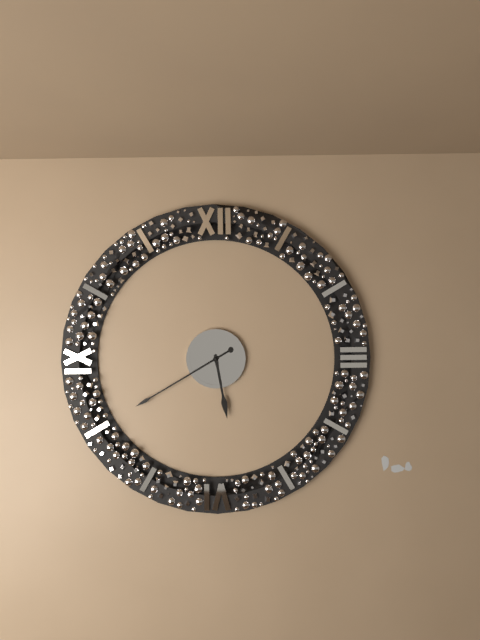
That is h=5 m=40
